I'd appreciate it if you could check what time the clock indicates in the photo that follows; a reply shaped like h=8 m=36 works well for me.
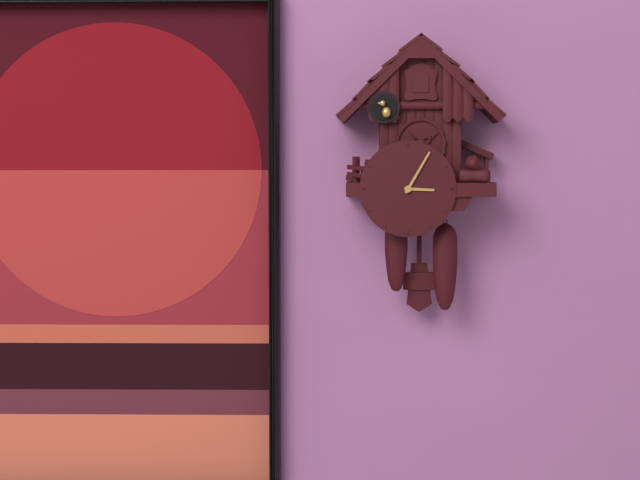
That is h=3 m=5
